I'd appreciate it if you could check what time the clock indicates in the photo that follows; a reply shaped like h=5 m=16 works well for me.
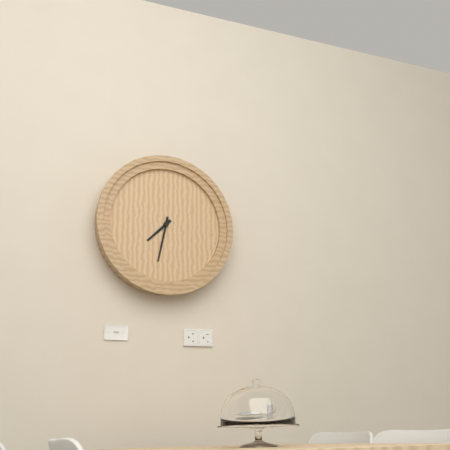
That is h=7 m=32
